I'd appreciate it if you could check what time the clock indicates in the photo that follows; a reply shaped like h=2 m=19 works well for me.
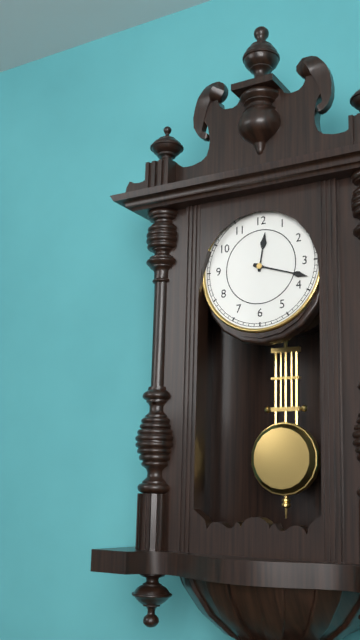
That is h=12 m=18
